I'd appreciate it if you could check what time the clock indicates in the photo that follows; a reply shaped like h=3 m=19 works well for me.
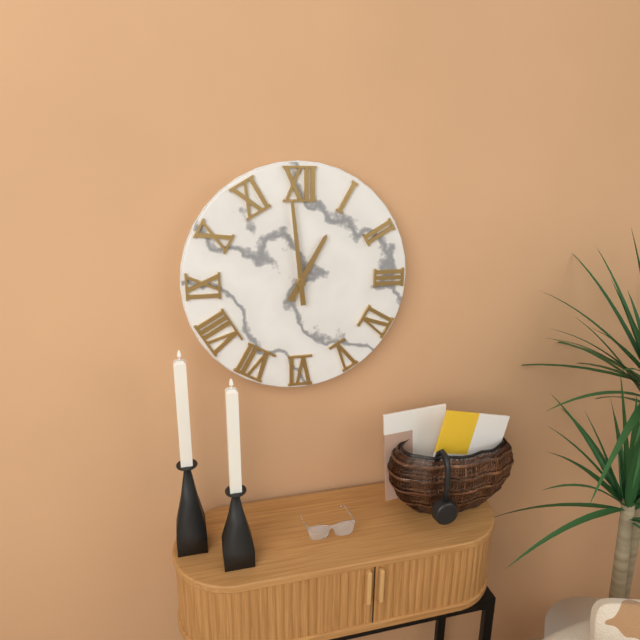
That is h=12 m=59
